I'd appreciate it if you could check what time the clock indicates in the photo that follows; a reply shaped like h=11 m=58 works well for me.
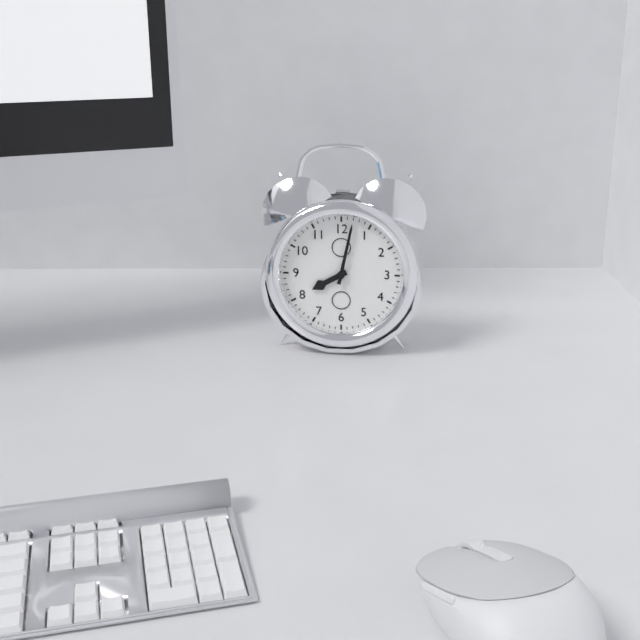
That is h=8 m=2
